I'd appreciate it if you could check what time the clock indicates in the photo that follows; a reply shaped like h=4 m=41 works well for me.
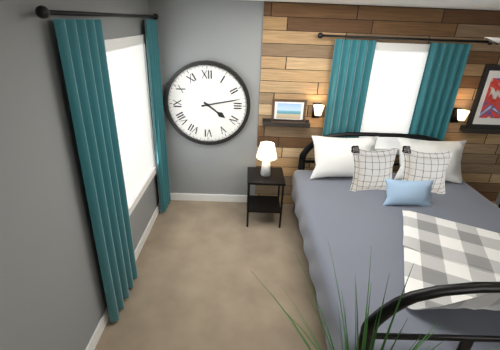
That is h=4 m=13
